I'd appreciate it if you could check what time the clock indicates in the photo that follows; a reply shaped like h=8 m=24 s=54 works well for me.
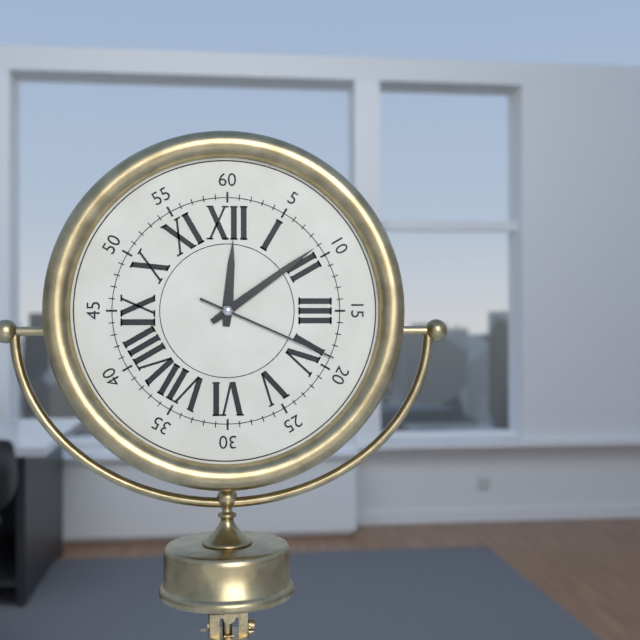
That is h=12 m=9 s=19
